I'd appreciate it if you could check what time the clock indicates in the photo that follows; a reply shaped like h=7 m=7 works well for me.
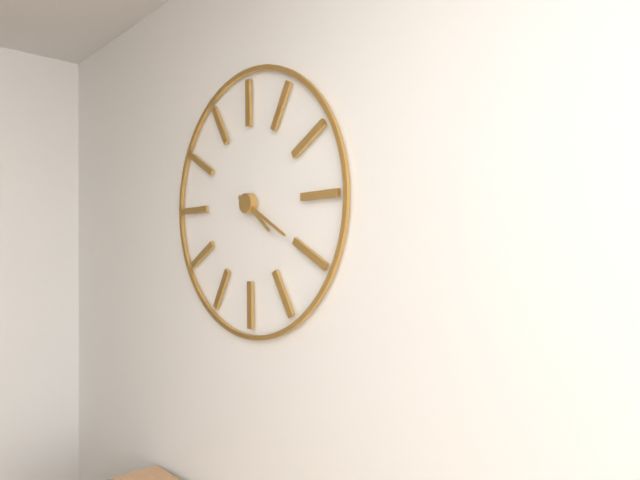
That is h=4 m=20
